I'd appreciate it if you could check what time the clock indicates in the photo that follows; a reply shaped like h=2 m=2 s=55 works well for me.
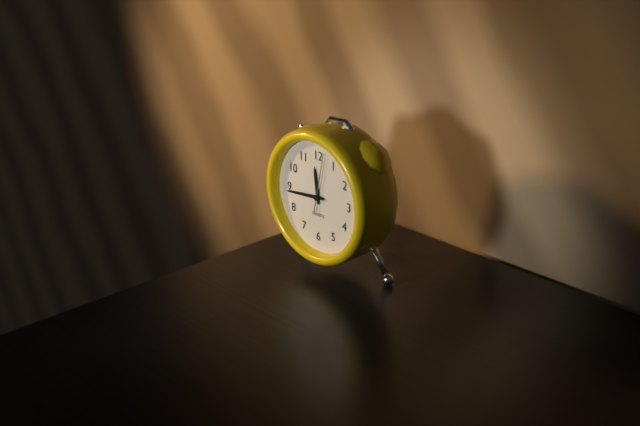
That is h=11 m=44 s=2
